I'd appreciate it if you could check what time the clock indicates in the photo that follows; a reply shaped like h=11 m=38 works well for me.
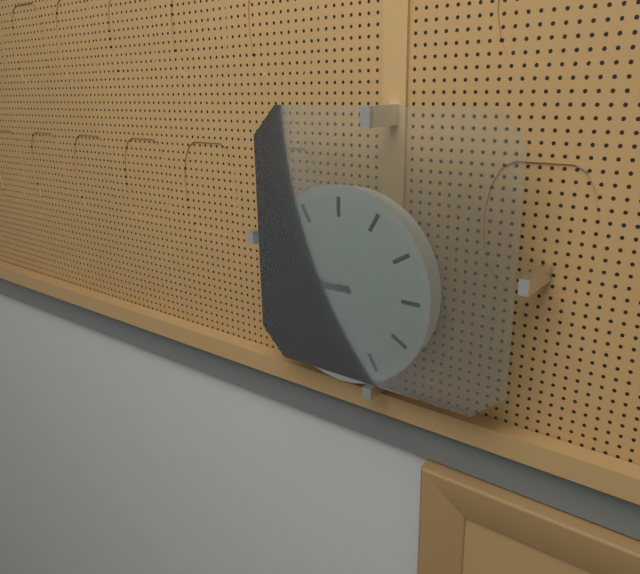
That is h=8 m=46
